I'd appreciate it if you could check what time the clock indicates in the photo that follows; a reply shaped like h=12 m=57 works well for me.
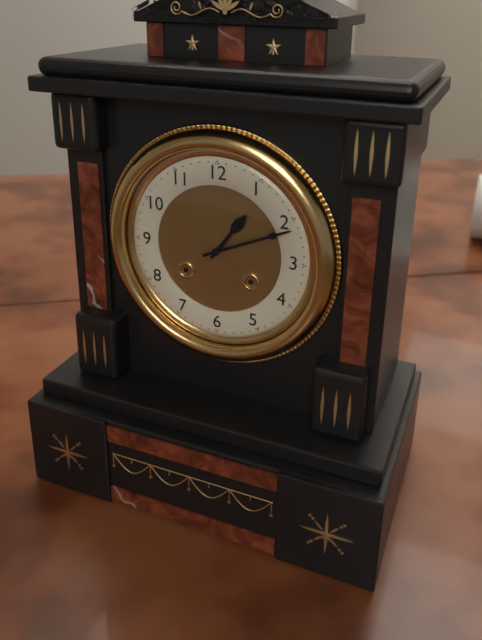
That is h=1 m=11
